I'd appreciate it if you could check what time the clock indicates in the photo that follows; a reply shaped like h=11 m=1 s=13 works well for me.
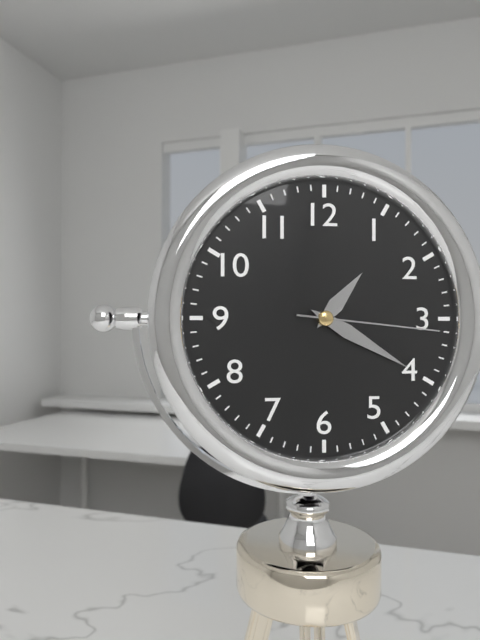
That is h=1 m=20 s=16
